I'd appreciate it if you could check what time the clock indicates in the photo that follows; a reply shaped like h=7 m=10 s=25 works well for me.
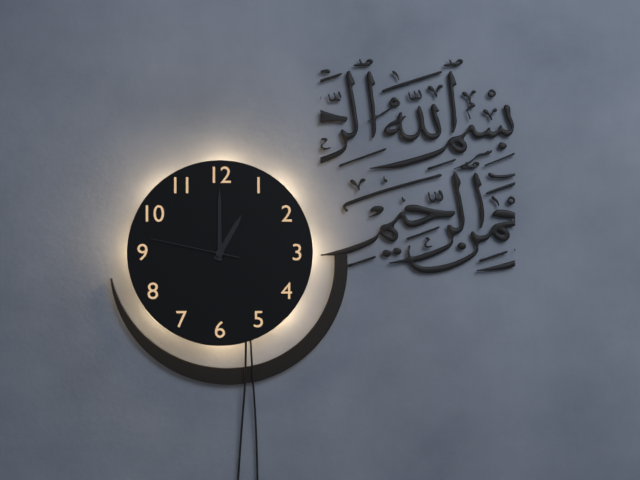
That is h=1 m=0 s=47
